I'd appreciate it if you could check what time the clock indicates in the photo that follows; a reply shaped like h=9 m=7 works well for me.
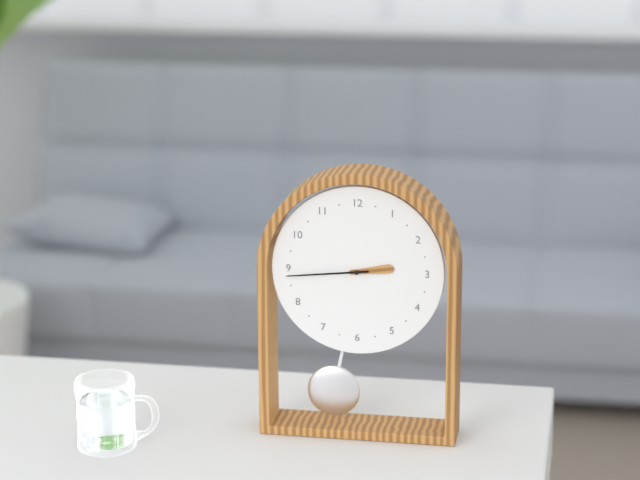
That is h=2 m=44
